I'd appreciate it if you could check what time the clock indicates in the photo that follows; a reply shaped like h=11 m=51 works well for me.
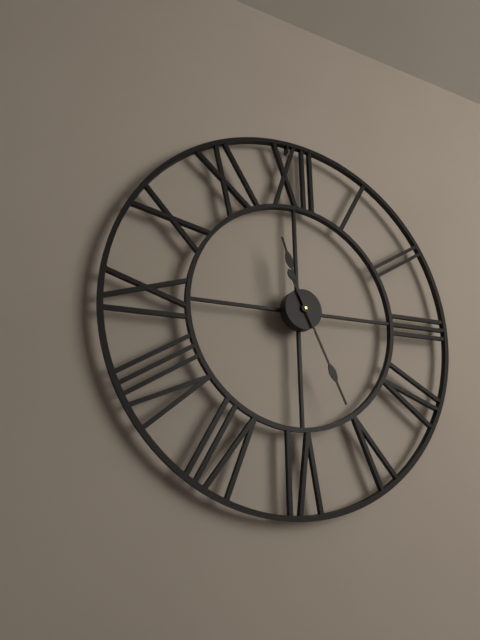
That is h=11 m=26
